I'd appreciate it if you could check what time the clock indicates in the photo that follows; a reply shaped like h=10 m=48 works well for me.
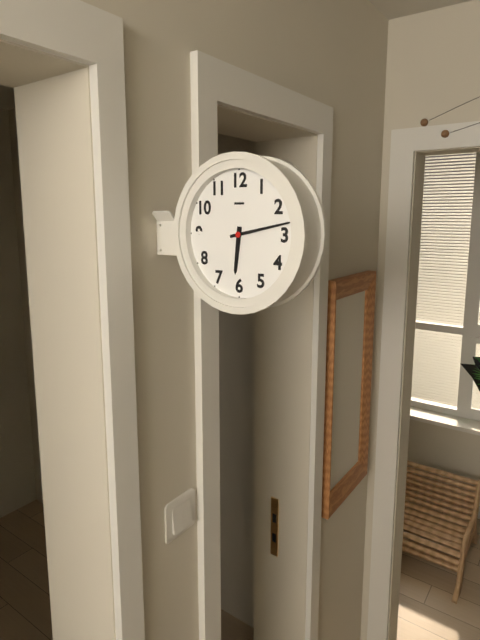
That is h=6 m=13
